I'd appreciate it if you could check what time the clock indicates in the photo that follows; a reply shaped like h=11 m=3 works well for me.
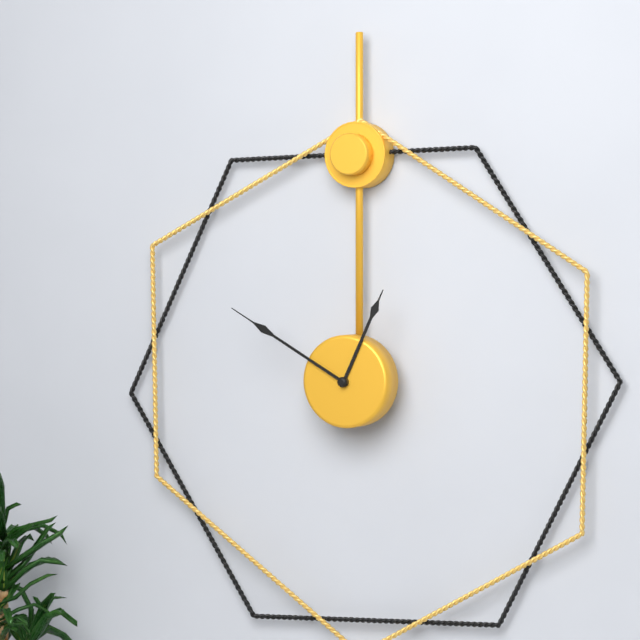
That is h=12 m=50
